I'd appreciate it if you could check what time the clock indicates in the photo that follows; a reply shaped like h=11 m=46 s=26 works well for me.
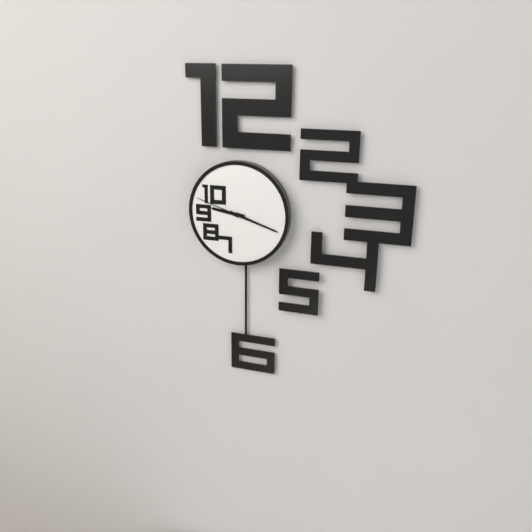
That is h=9 m=18 s=48
